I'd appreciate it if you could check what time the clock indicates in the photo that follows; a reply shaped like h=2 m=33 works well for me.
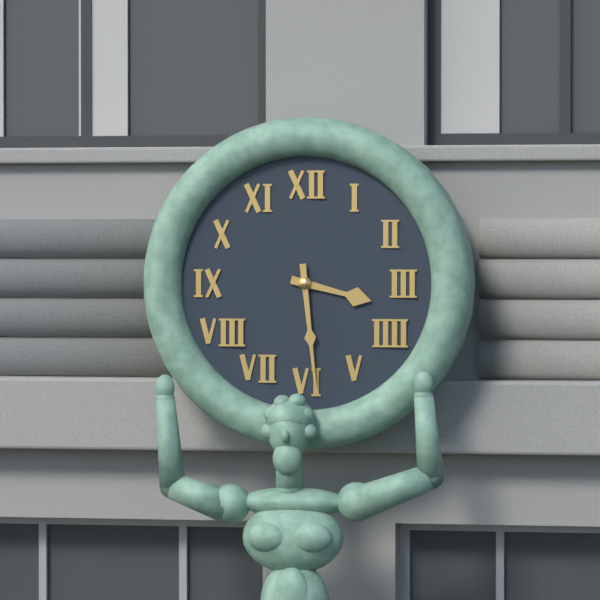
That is h=3 m=29
